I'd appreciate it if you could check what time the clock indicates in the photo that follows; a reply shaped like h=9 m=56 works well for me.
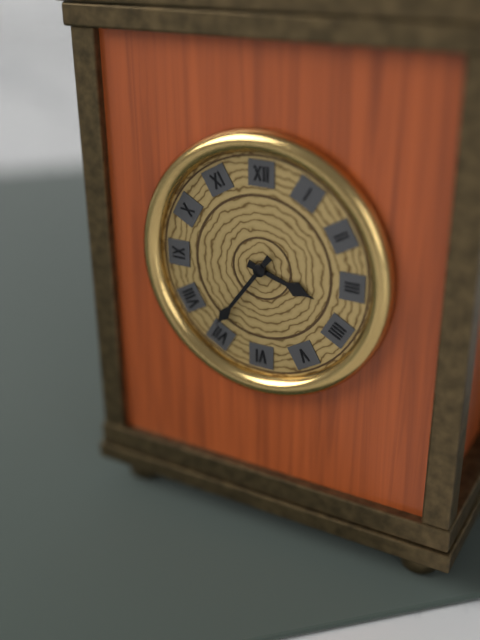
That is h=3 m=36
